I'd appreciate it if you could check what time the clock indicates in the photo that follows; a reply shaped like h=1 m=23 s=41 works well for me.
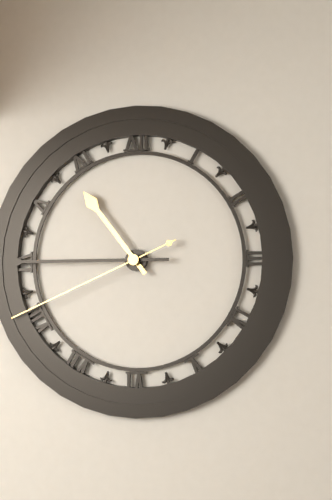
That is h=10 m=45 s=41
